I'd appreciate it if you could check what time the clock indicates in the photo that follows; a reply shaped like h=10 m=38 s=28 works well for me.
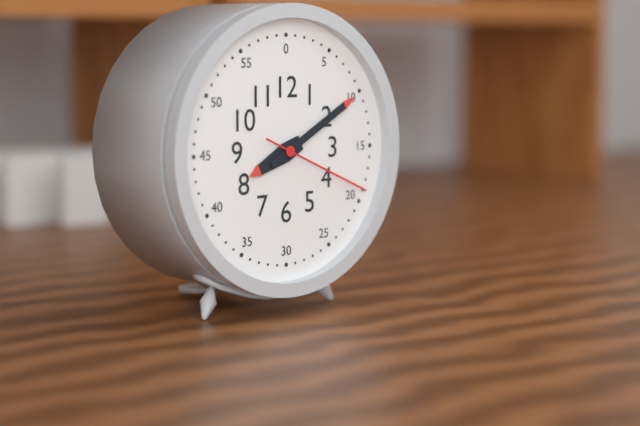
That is h=8 m=10 s=19
